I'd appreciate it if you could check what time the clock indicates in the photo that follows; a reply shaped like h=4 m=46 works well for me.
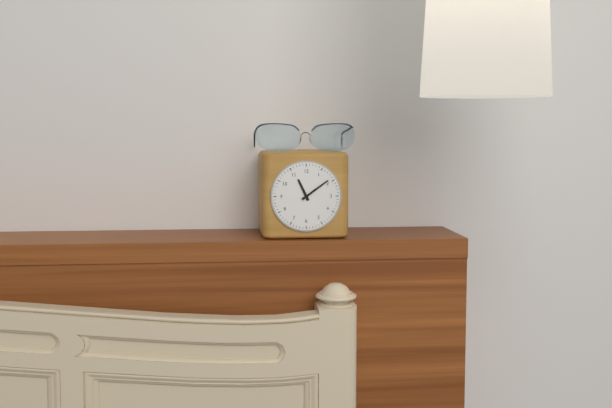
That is h=11 m=9
